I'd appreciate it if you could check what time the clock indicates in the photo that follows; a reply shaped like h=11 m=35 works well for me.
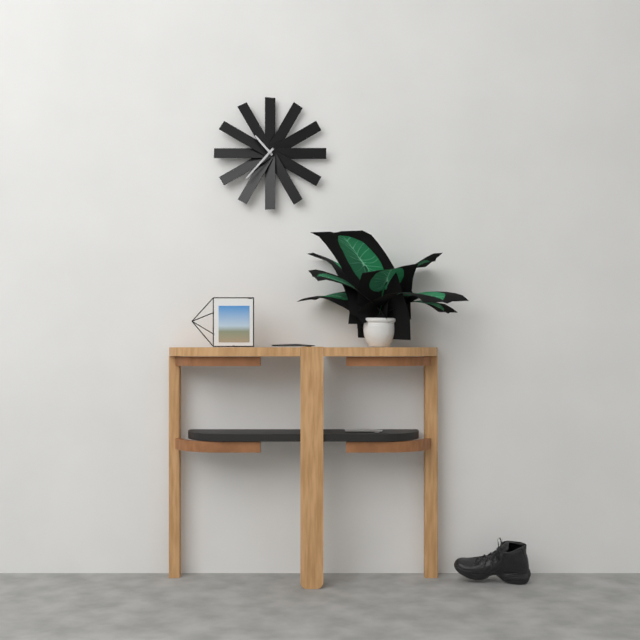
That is h=10 m=37
